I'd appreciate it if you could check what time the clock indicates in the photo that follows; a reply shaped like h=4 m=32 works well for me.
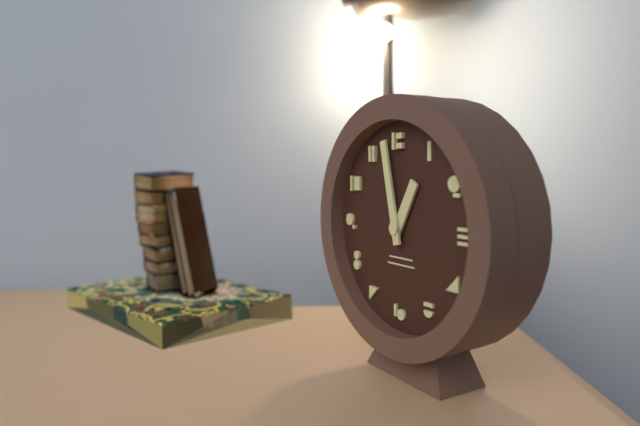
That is h=12 m=58
